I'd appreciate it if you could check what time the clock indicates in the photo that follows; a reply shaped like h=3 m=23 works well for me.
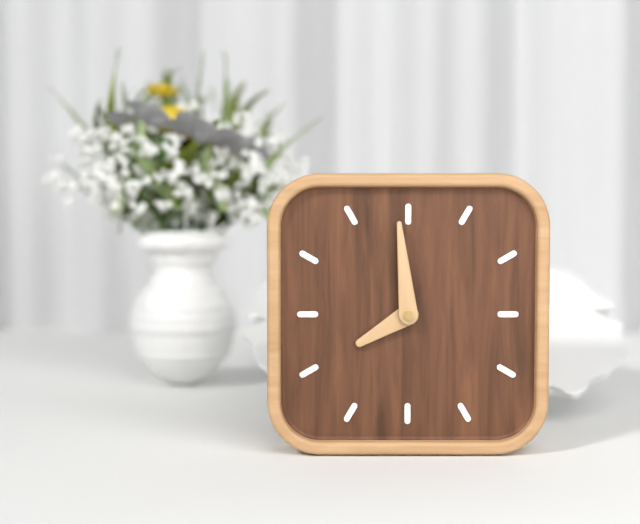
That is h=7 m=59
